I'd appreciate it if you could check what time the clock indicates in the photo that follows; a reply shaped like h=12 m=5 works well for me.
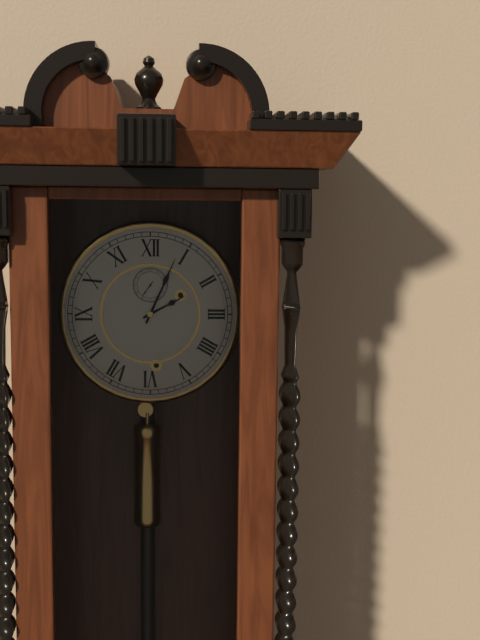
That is h=2 m=4
